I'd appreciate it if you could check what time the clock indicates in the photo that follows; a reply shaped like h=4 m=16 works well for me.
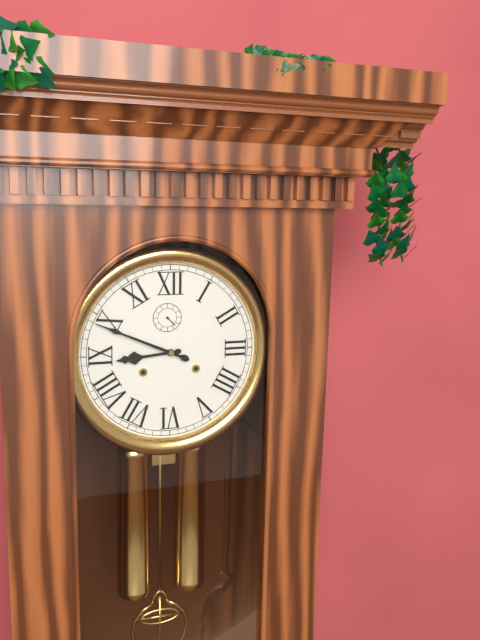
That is h=8 m=49
